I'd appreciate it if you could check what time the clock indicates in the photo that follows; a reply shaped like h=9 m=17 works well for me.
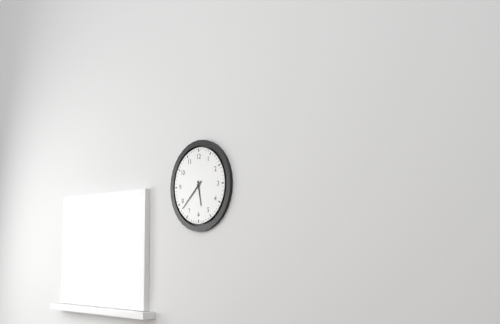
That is h=5 m=38
